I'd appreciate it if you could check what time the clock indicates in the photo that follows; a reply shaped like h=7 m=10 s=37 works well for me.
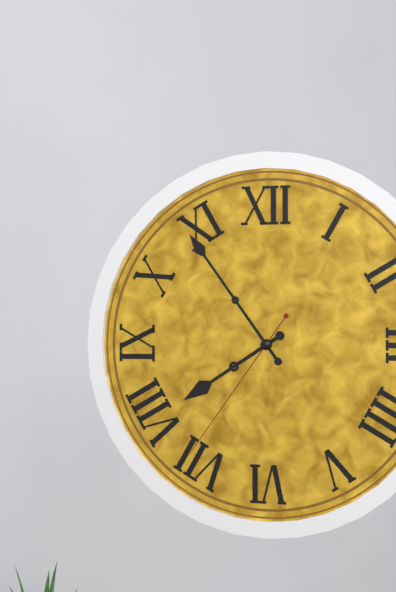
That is h=7 m=54 s=36
